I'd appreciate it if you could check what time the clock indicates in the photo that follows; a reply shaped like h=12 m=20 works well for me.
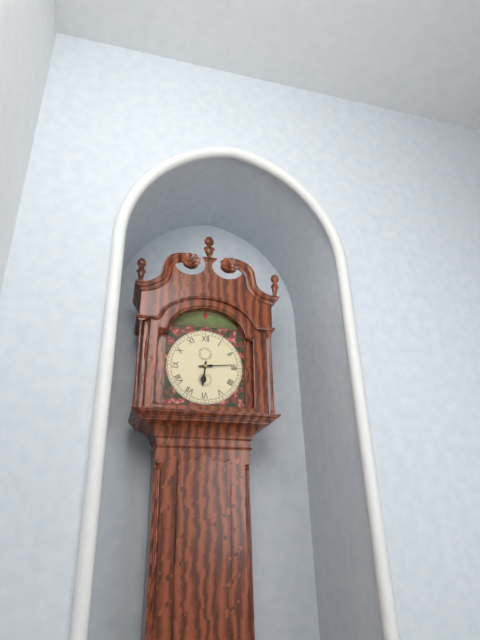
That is h=6 m=14
